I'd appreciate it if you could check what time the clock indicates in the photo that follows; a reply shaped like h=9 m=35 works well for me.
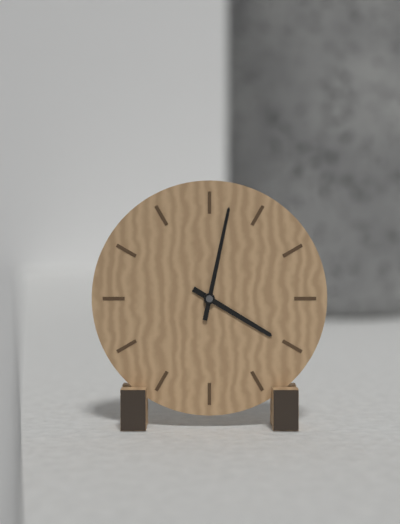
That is h=4 m=2
